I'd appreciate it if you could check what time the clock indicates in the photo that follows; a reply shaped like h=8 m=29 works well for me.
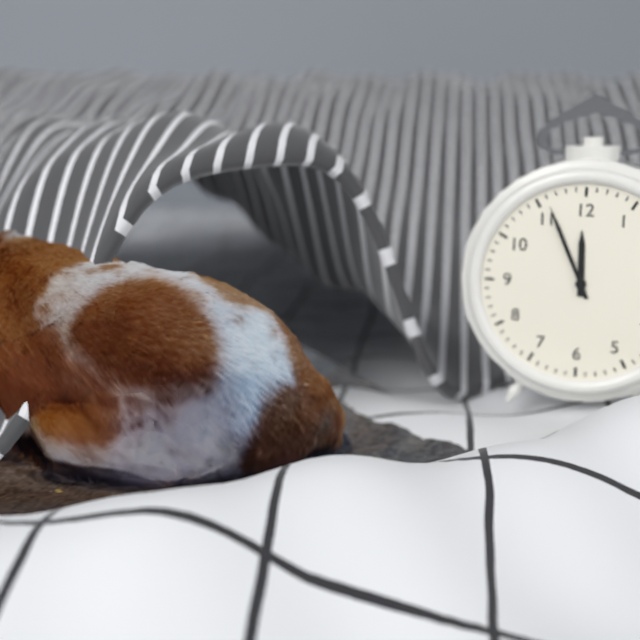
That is h=11 m=56
